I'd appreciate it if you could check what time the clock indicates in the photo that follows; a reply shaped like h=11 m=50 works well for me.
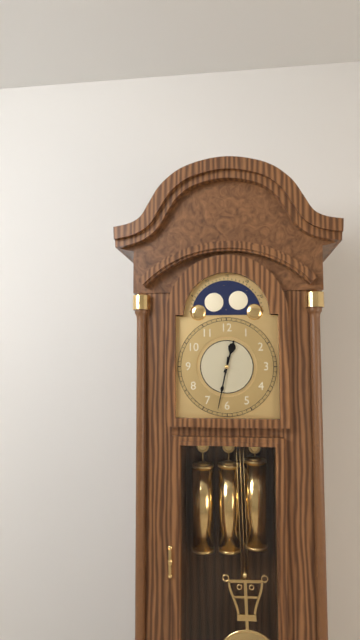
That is h=12 m=32
